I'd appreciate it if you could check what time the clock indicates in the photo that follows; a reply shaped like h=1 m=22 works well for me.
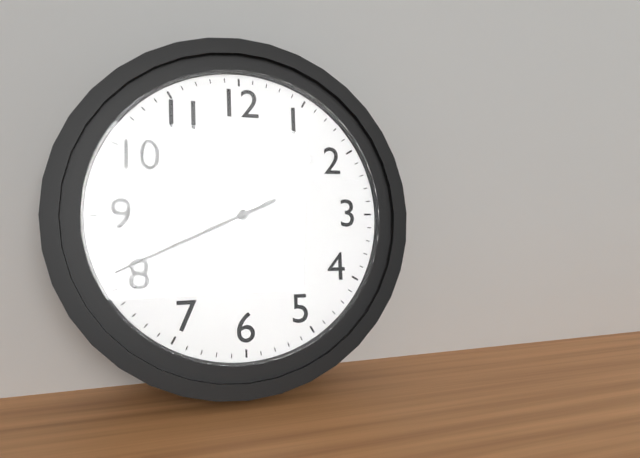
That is h=1 m=41
